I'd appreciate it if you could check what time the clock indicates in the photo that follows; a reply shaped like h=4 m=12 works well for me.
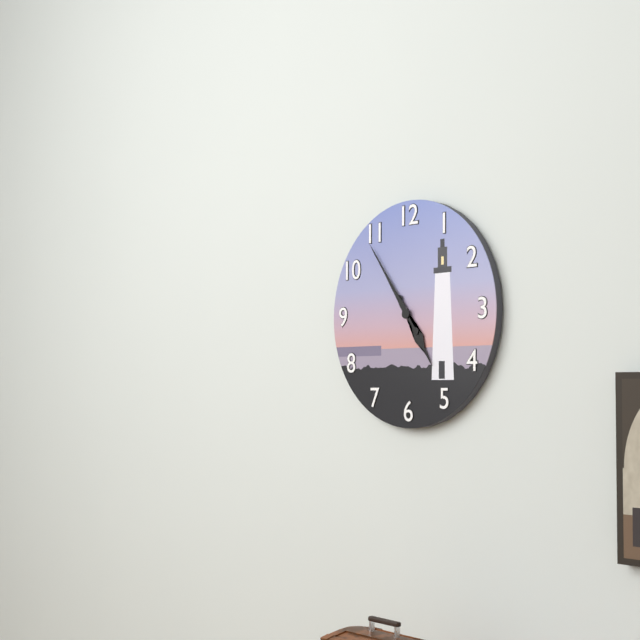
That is h=4 m=54
